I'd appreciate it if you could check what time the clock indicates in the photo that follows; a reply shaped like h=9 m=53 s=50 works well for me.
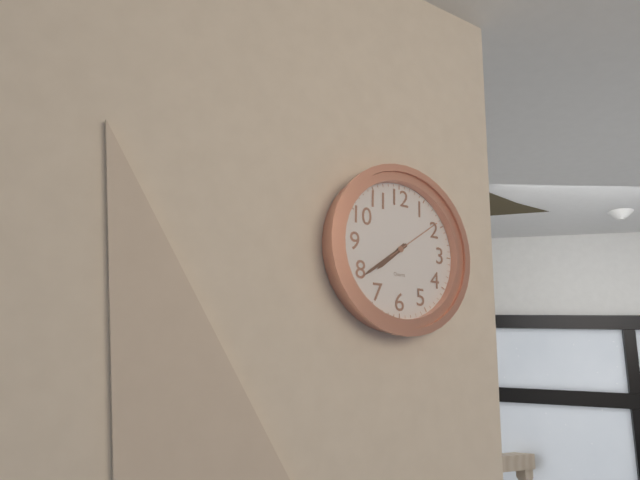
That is h=7 m=39 s=9
